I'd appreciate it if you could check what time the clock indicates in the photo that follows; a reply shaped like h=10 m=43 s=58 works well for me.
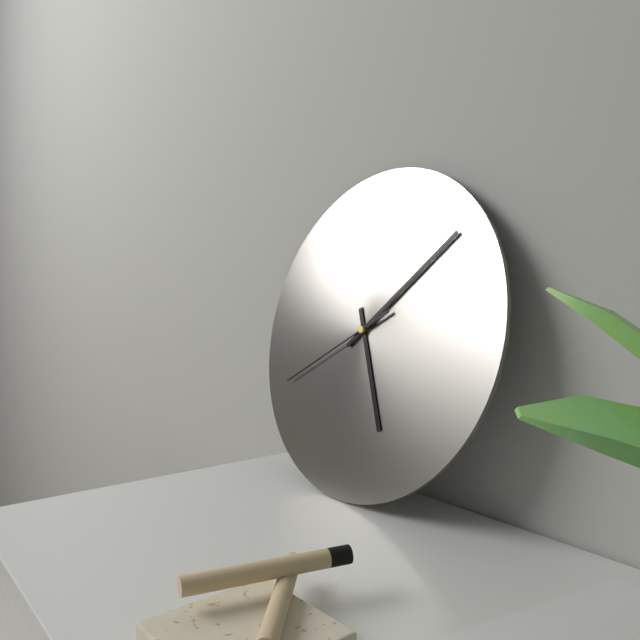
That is h=5 m=8 s=40
